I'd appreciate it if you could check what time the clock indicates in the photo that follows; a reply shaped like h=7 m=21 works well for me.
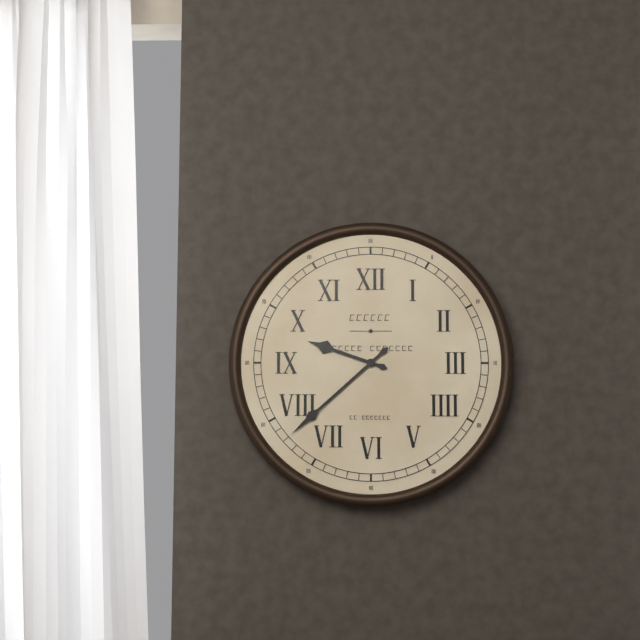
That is h=9 m=38
